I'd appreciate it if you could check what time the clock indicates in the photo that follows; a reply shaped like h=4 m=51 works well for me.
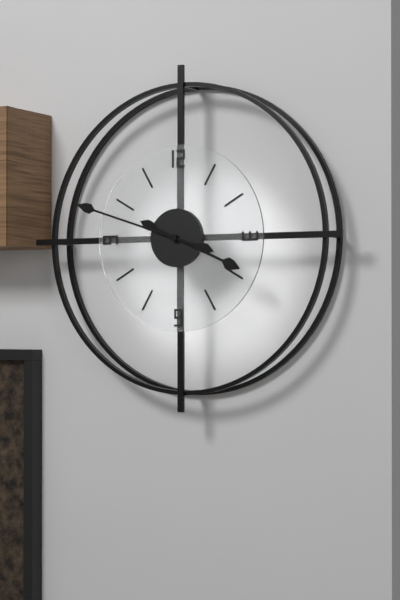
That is h=3 m=48
